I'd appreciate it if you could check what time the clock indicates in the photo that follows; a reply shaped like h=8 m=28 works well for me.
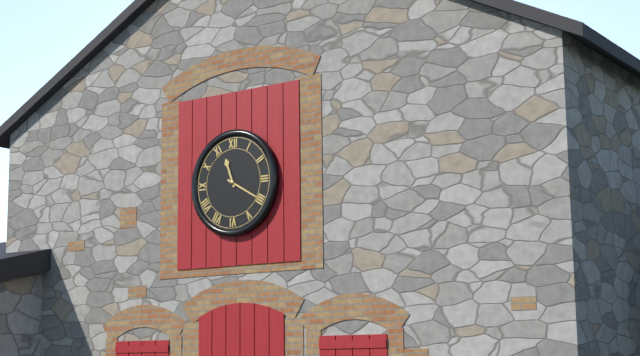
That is h=11 m=20
